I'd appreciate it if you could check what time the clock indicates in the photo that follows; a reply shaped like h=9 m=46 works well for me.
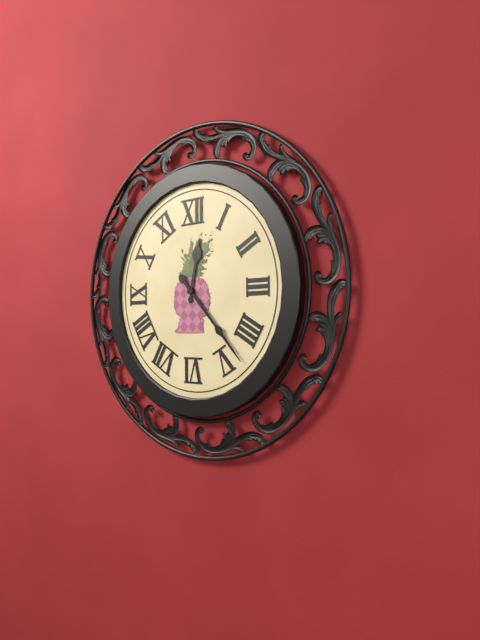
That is h=12 m=23
